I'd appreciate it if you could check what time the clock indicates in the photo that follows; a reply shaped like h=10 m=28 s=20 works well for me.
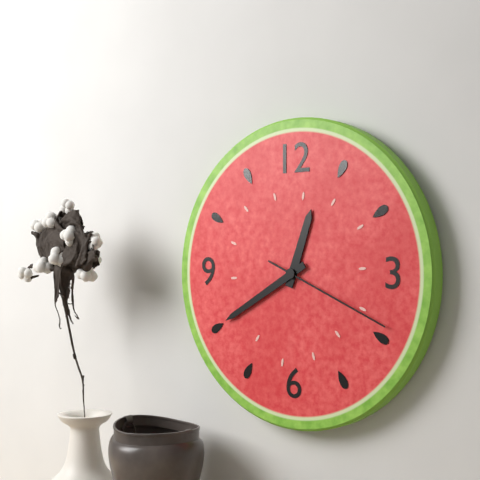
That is h=12 m=40 s=19
